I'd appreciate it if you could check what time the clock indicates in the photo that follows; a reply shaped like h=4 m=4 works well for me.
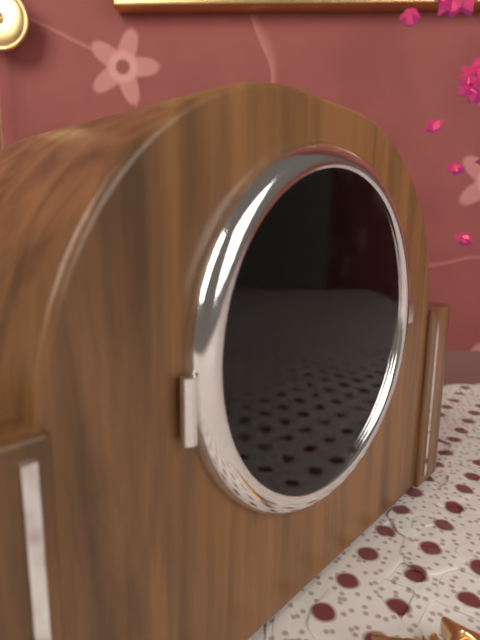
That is h=9 m=35
